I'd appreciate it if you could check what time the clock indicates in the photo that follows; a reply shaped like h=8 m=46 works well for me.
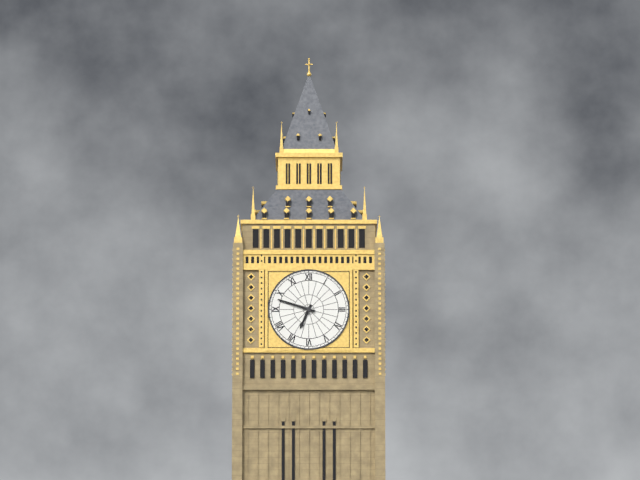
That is h=6 m=48
